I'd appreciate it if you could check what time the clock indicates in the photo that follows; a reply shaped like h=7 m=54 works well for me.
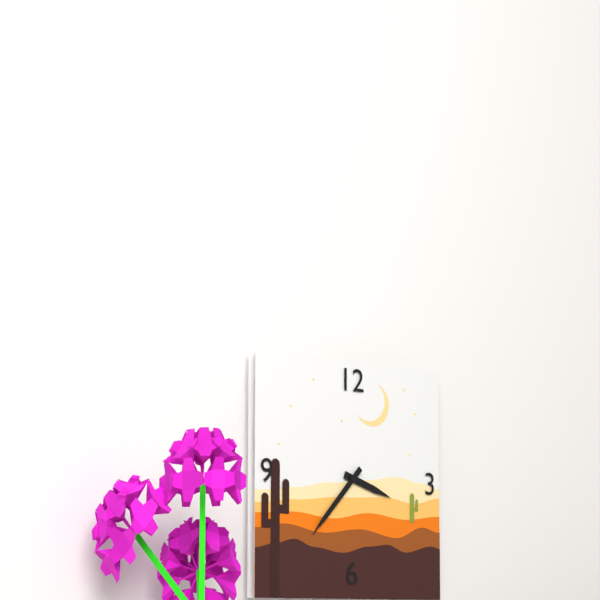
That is h=3 m=37
